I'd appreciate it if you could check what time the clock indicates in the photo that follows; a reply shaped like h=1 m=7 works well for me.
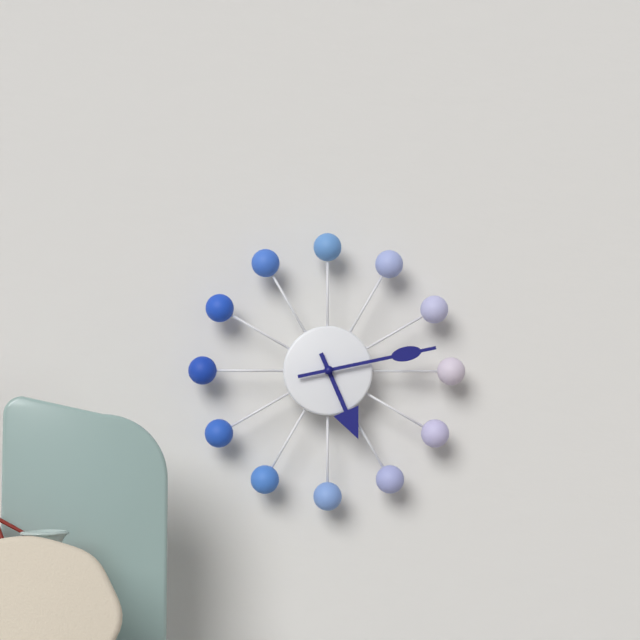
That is h=5 m=13
